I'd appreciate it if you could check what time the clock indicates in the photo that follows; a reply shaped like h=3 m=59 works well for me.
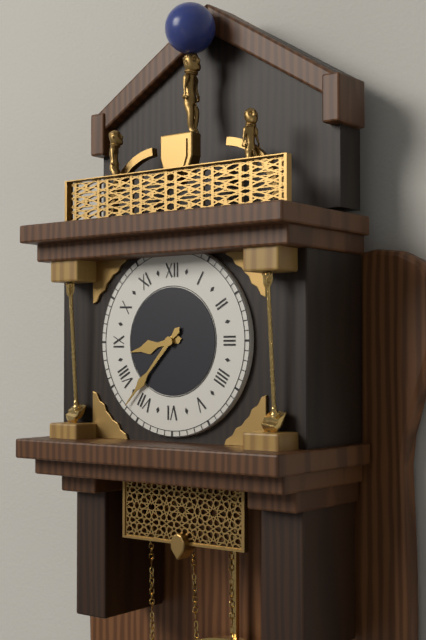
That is h=8 m=37
